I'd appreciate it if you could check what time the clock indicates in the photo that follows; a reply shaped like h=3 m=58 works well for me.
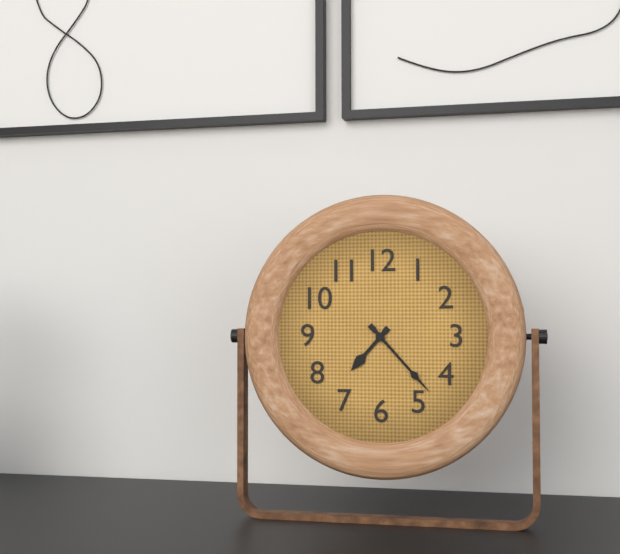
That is h=7 m=23
